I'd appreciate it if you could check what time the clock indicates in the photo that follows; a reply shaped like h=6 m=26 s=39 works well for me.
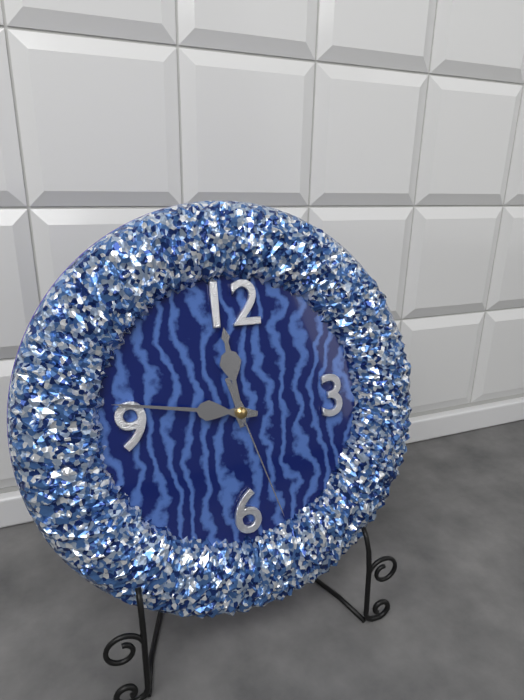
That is h=11 m=47 s=27
